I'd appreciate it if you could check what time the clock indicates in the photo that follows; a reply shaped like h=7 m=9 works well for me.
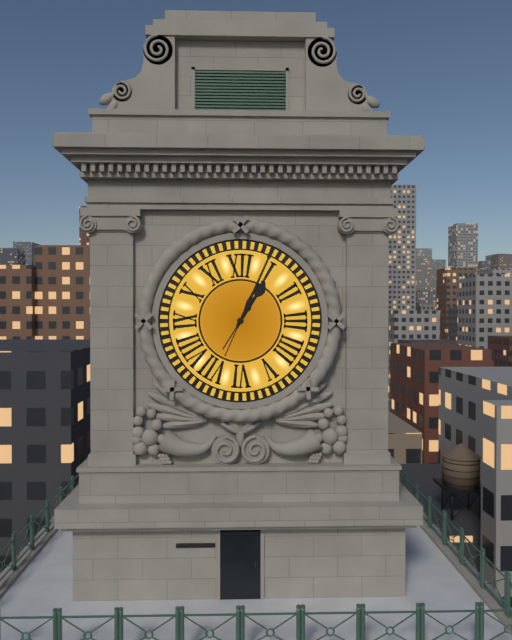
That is h=1 m=4
